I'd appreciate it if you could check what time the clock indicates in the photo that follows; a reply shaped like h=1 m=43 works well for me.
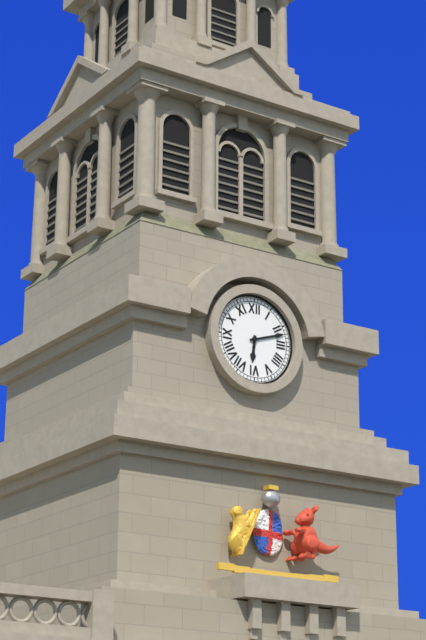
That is h=6 m=12
